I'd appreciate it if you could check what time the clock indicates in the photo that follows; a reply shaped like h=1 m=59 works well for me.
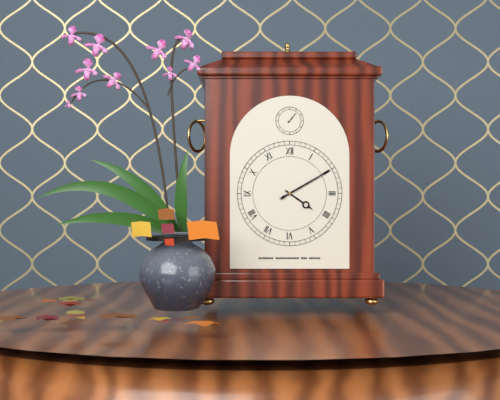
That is h=4 m=10
